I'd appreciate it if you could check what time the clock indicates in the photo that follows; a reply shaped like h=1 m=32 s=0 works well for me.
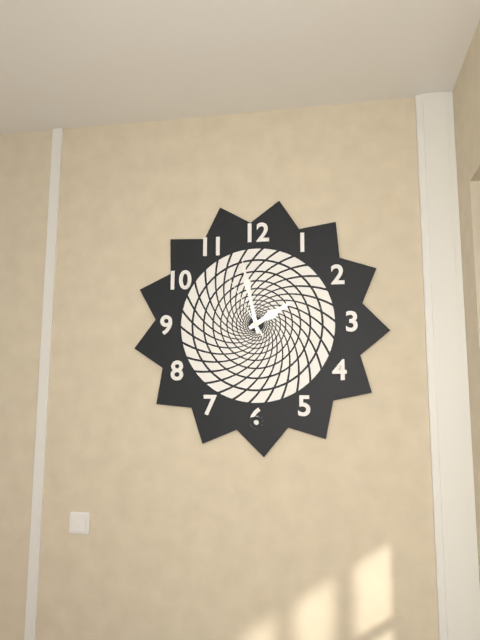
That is h=1 m=58 s=55
